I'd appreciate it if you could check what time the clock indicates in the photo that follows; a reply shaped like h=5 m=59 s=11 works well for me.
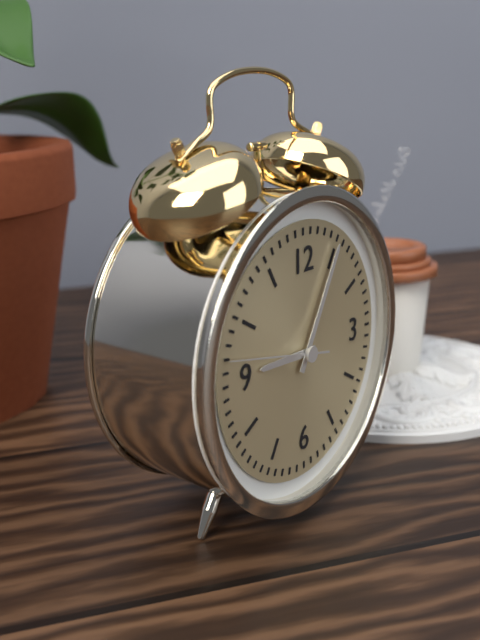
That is h=9 m=5 s=47
